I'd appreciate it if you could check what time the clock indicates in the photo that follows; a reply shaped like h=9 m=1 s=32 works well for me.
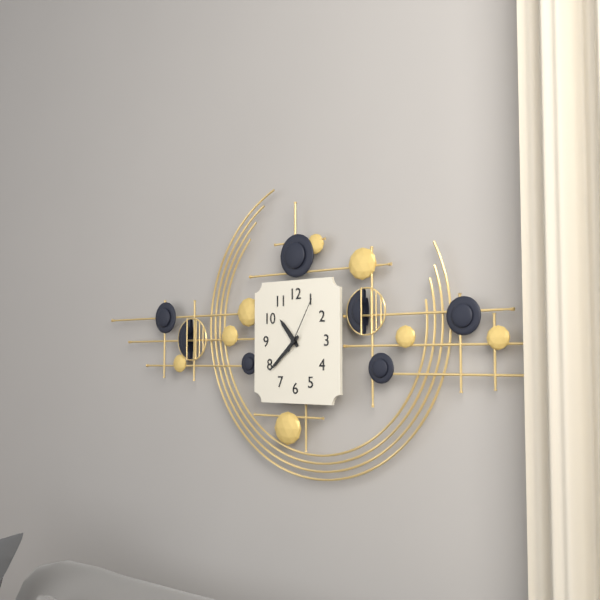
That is h=10 m=38 s=5
